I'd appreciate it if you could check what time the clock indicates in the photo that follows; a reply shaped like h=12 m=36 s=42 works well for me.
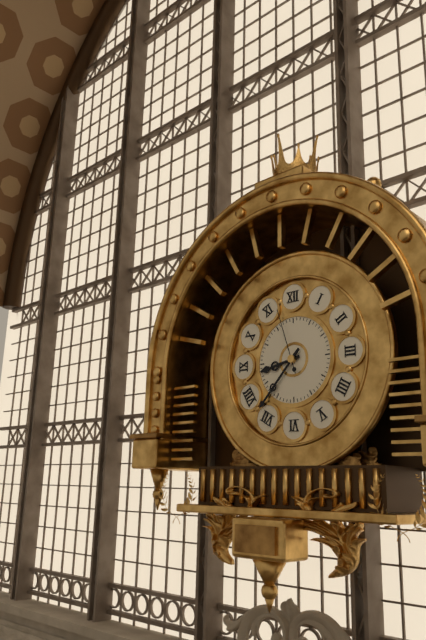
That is h=8 m=37 s=57
